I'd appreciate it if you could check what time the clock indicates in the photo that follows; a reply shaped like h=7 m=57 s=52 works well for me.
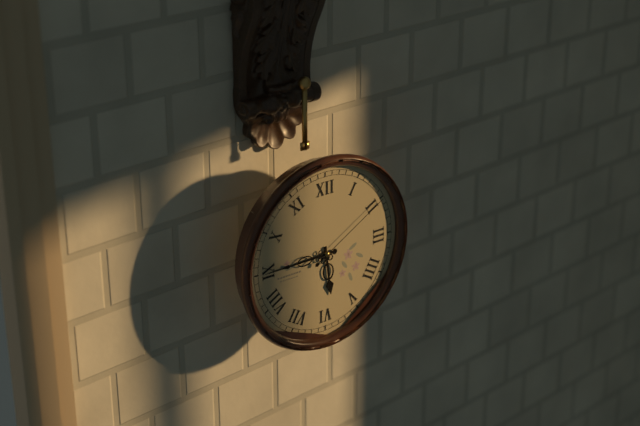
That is h=5 m=45 s=10
